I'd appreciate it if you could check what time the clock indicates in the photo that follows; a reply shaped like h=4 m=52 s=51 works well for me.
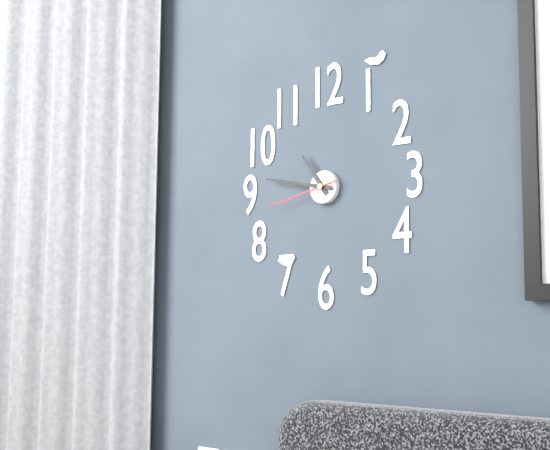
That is h=10 m=47 s=43
